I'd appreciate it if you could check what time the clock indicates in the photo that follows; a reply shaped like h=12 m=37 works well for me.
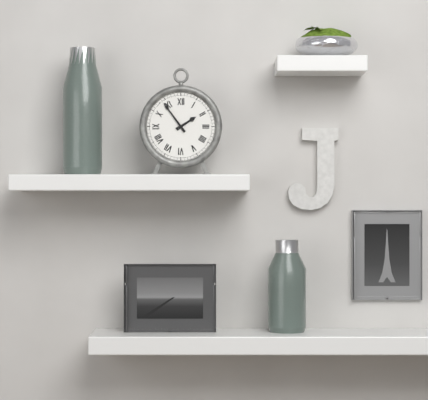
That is h=1 m=54
